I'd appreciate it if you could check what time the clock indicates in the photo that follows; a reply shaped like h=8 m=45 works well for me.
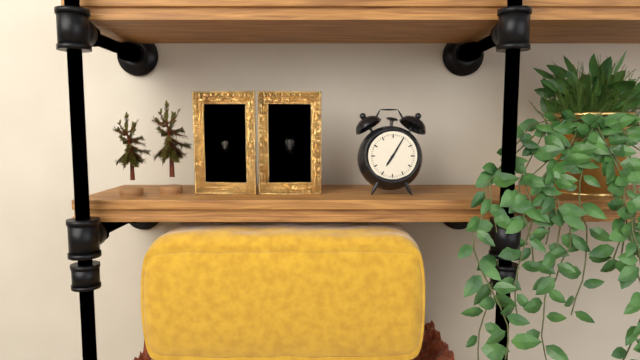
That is h=7 m=5
